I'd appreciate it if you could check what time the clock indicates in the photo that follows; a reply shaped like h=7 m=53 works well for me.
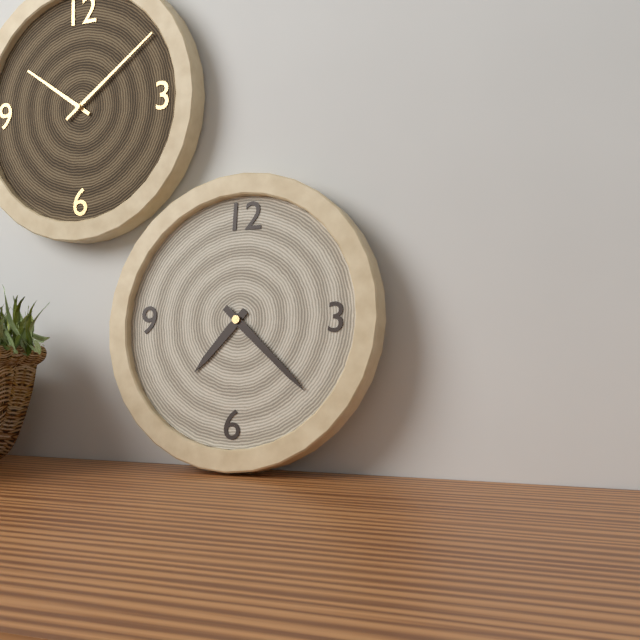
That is h=7 m=22
